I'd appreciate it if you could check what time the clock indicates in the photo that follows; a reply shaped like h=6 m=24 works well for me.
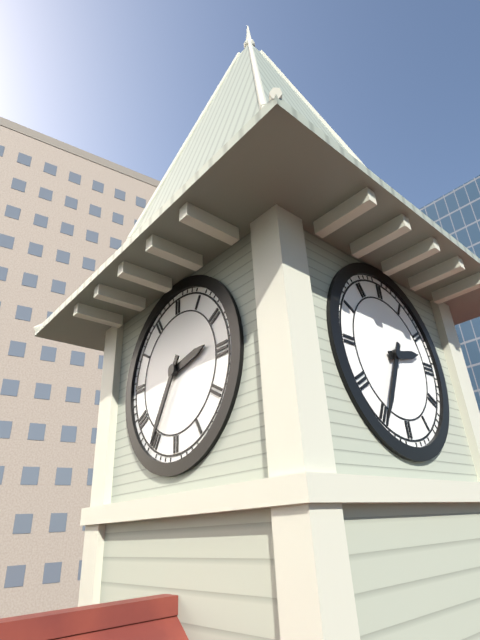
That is h=2 m=35
